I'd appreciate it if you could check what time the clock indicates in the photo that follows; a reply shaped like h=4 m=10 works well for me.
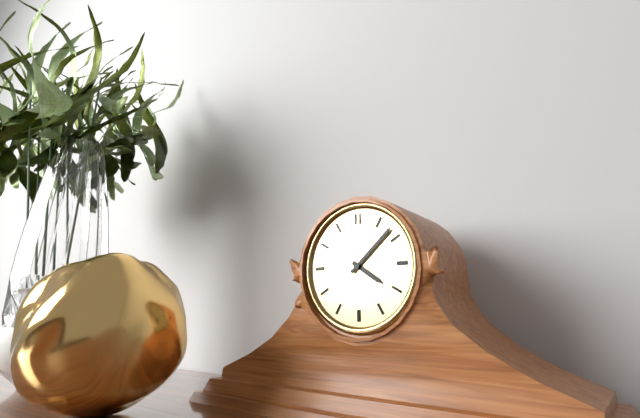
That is h=4 m=8
